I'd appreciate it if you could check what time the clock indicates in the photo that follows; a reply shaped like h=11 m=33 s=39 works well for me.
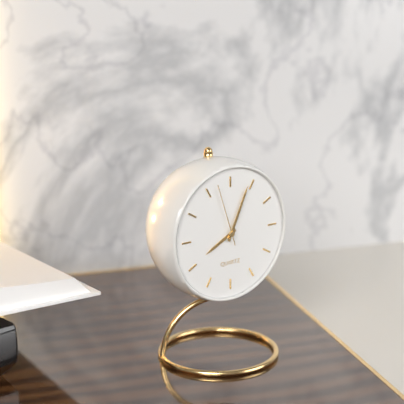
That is h=8 m=4 s=57
